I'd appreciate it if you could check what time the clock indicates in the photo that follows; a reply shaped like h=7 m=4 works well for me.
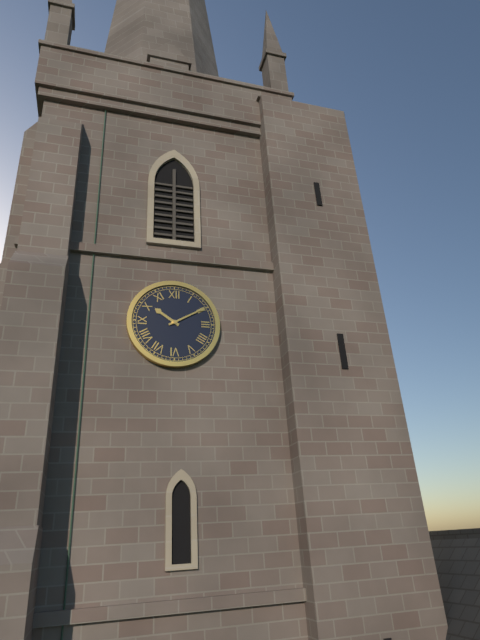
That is h=10 m=10
